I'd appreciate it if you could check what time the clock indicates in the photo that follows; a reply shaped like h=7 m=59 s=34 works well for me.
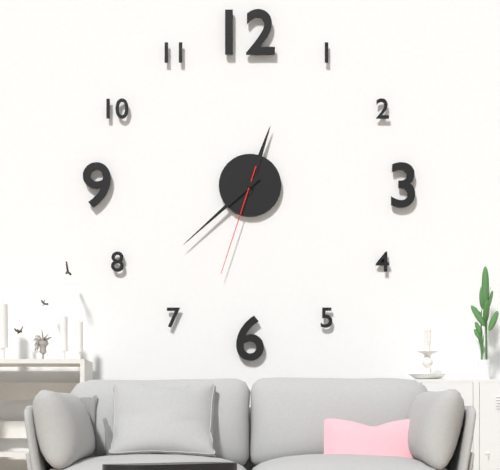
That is h=12 m=38 s=33
